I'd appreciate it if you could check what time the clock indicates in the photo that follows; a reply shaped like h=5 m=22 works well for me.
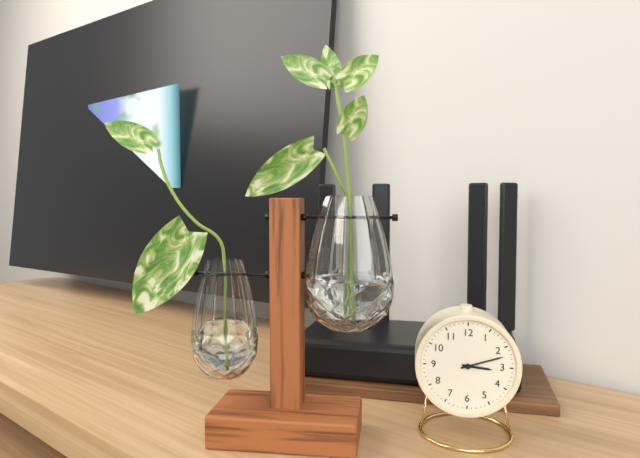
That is h=3 m=12
